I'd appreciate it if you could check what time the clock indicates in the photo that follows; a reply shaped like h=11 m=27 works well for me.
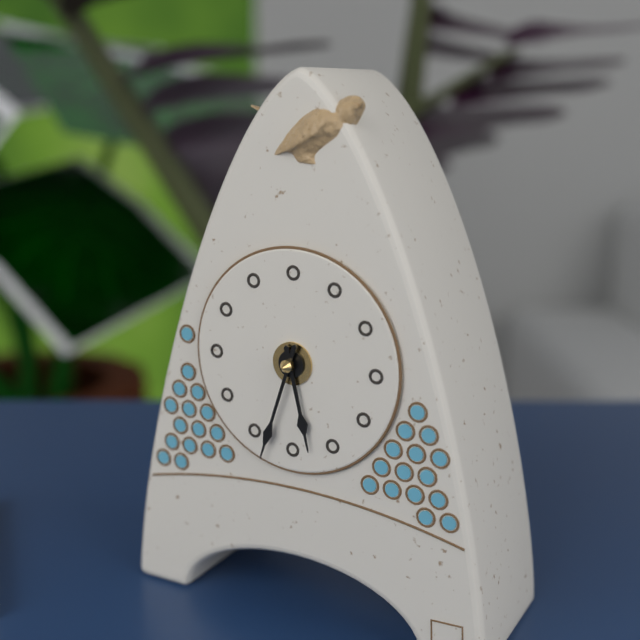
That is h=5 m=33
